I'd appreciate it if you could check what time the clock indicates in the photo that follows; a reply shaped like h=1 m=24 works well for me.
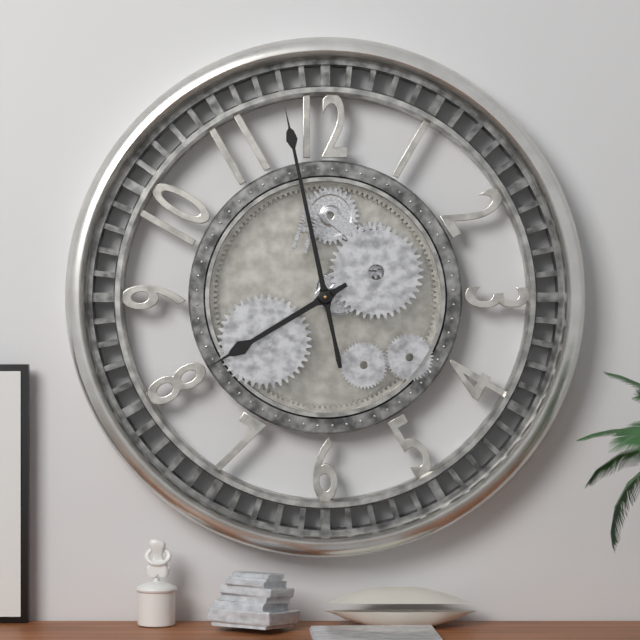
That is h=7 m=58
